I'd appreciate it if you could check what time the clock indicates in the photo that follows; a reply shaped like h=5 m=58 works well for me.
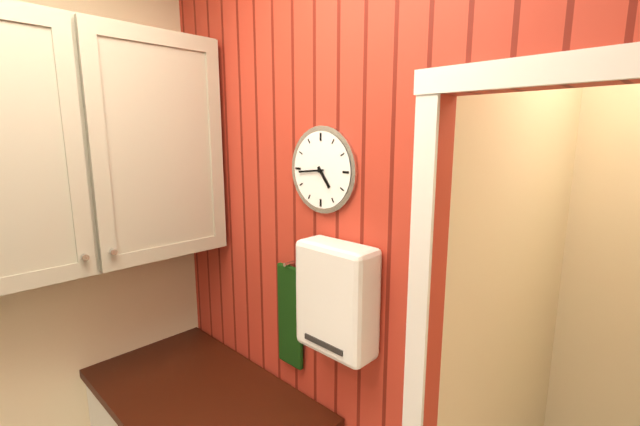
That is h=4 m=44
